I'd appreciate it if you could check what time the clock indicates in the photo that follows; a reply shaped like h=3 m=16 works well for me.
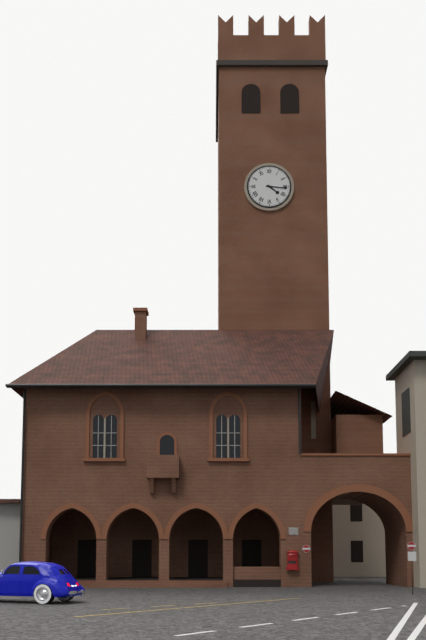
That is h=4 m=16
